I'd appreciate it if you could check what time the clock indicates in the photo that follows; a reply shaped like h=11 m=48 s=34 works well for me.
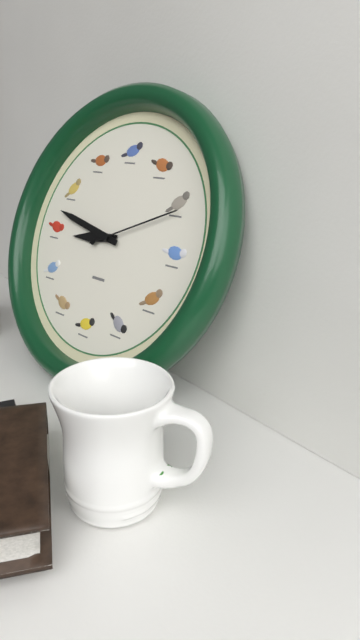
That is h=8 m=47 s=11
